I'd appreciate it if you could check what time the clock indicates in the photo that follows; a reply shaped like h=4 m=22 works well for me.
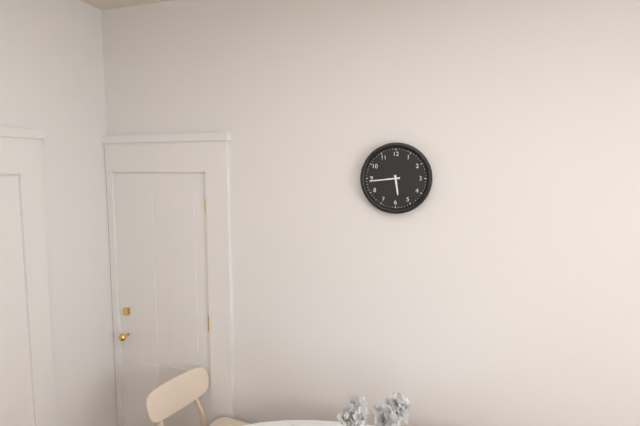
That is h=5 m=44
